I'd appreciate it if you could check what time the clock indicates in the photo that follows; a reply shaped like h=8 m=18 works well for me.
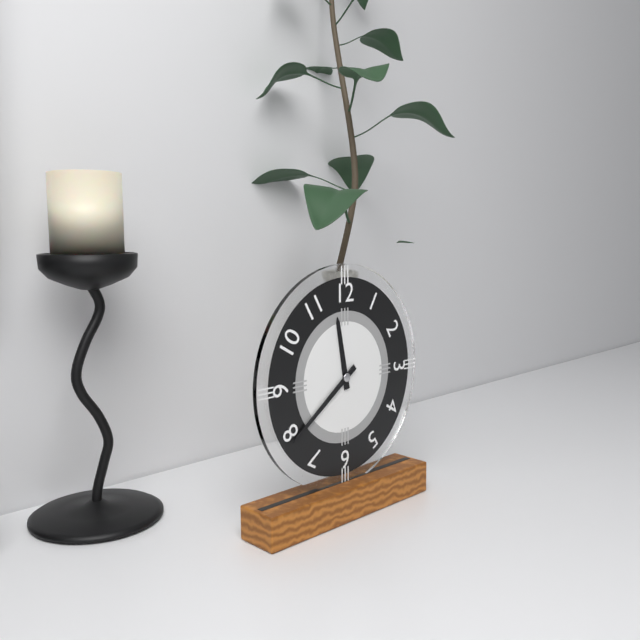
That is h=11 m=39
